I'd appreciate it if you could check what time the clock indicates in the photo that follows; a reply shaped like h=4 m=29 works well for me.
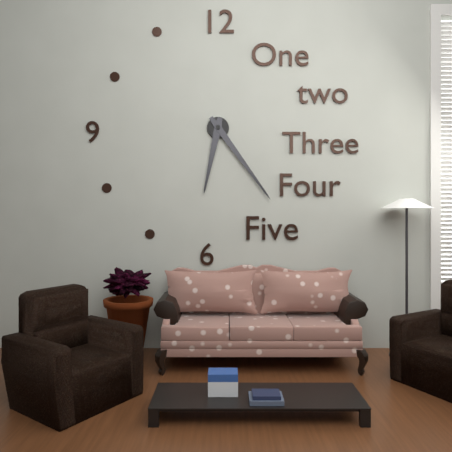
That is h=6 m=24
